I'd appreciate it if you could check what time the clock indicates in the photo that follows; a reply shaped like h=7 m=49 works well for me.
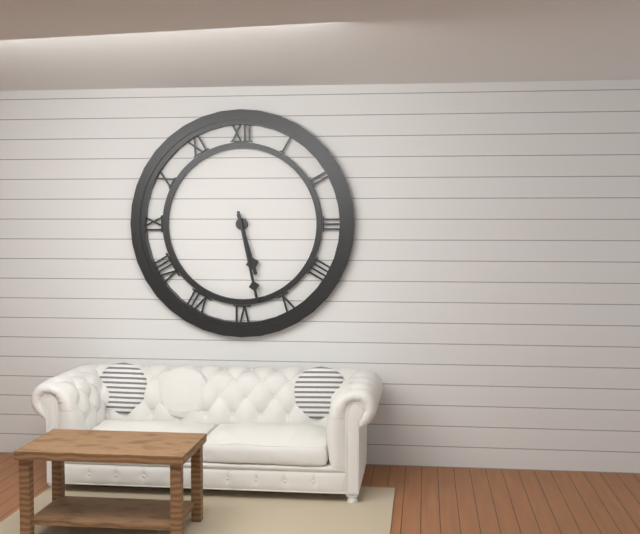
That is h=5 m=28
